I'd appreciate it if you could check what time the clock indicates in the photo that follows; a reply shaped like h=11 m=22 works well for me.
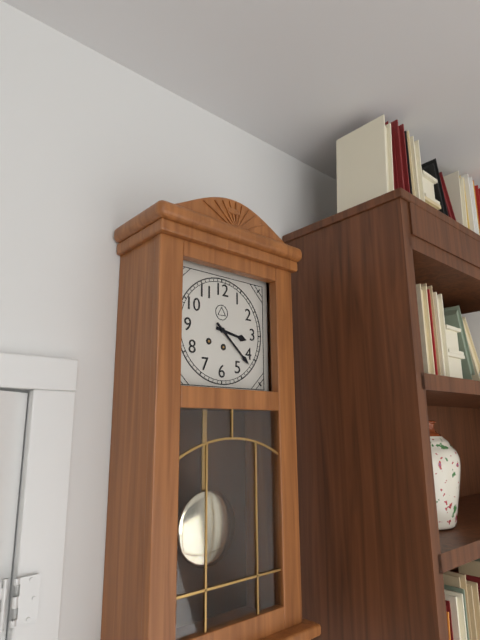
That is h=3 m=22
